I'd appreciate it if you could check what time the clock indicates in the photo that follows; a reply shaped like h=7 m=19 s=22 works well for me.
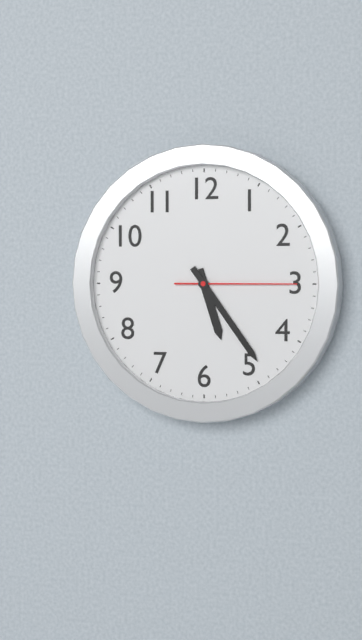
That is h=5 m=24 s=15
